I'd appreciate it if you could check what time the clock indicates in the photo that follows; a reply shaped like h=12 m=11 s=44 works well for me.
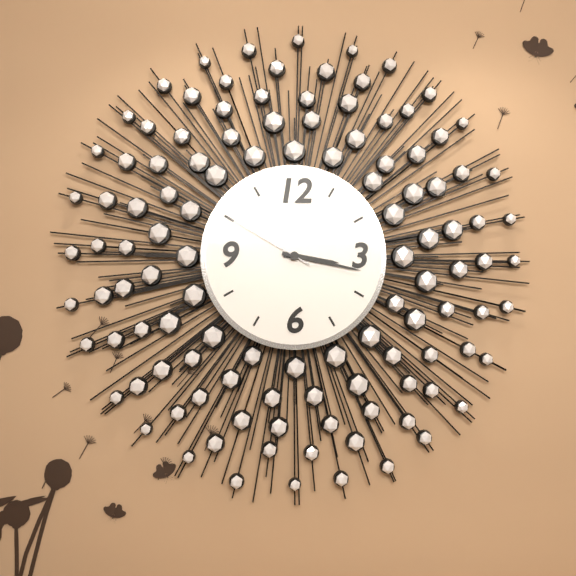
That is h=3 m=17 s=50
